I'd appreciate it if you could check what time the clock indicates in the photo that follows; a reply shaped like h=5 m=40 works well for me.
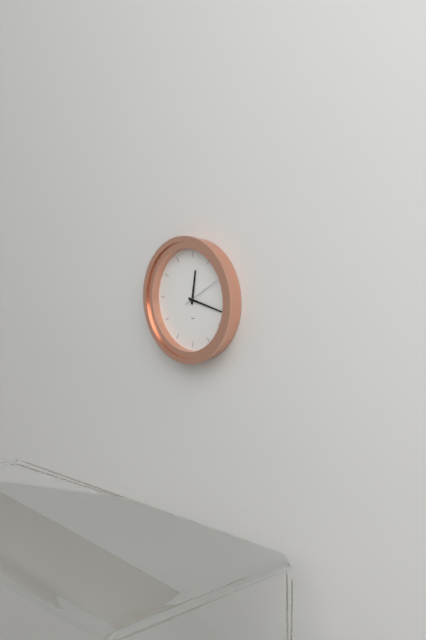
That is h=12 m=17
